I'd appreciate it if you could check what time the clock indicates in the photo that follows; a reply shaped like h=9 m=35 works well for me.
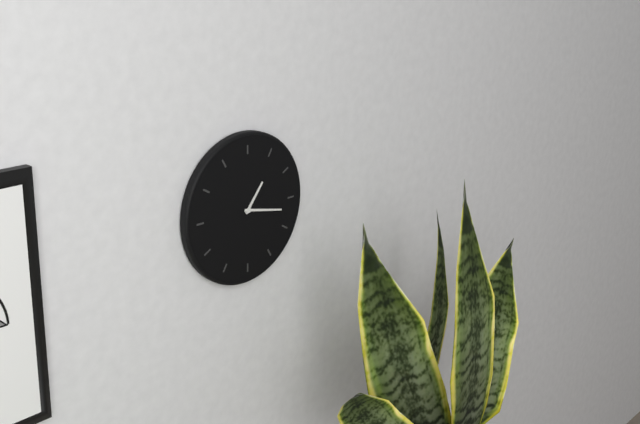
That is h=1 m=17
